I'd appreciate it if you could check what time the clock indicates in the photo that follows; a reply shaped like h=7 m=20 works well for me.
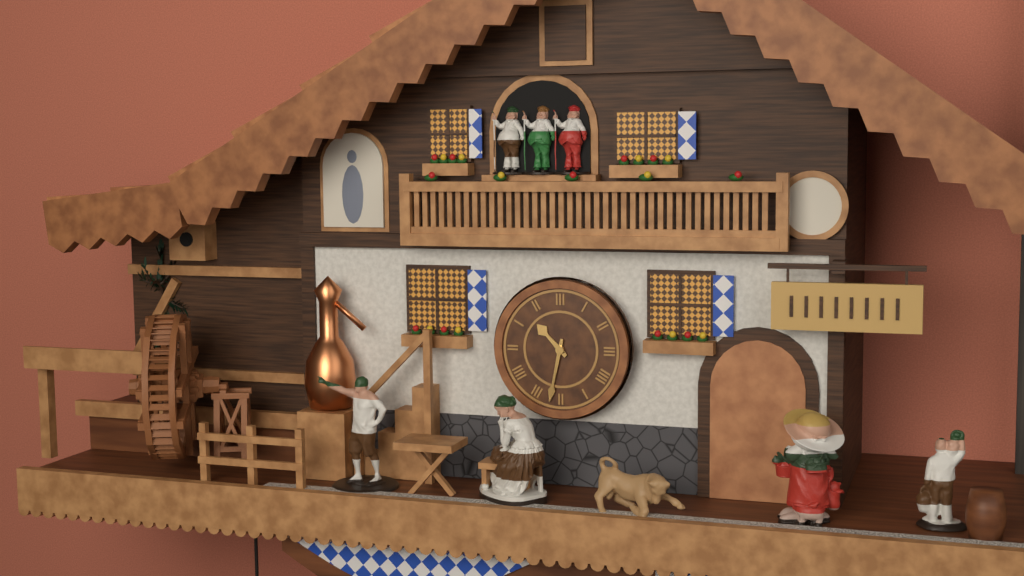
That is h=10 m=32
